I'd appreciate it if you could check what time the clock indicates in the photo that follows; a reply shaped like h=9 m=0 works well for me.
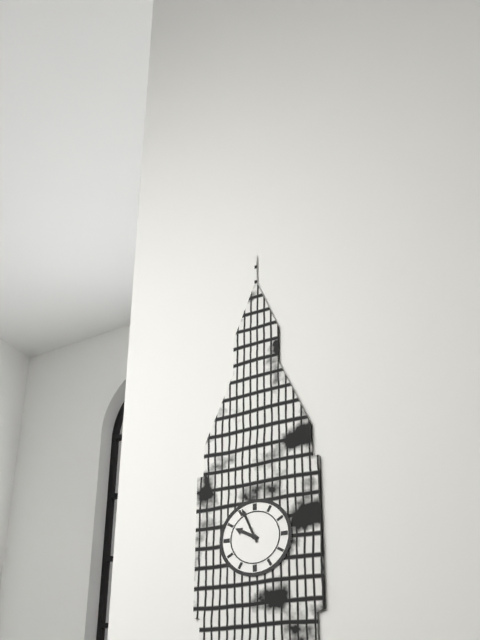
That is h=9 m=56
